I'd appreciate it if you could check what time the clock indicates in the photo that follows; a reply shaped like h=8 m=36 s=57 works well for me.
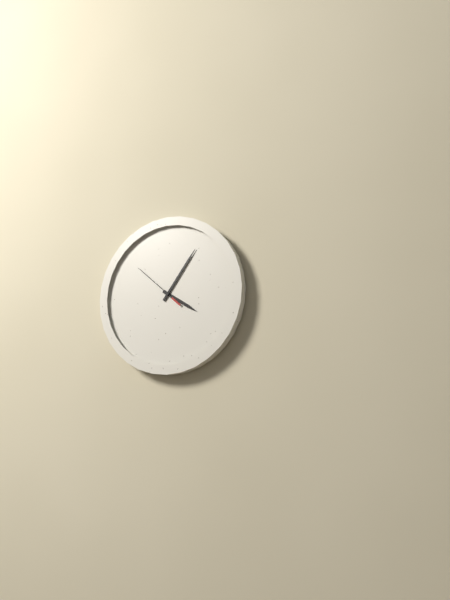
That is h=4 m=6 s=52
